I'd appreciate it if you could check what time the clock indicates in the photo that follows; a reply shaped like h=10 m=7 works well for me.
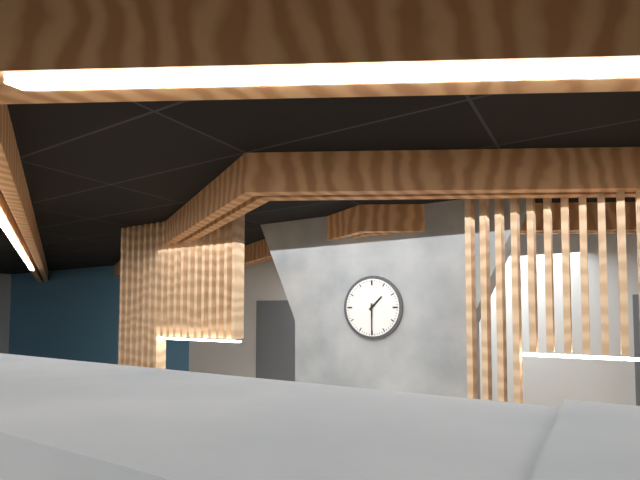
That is h=1 m=30
